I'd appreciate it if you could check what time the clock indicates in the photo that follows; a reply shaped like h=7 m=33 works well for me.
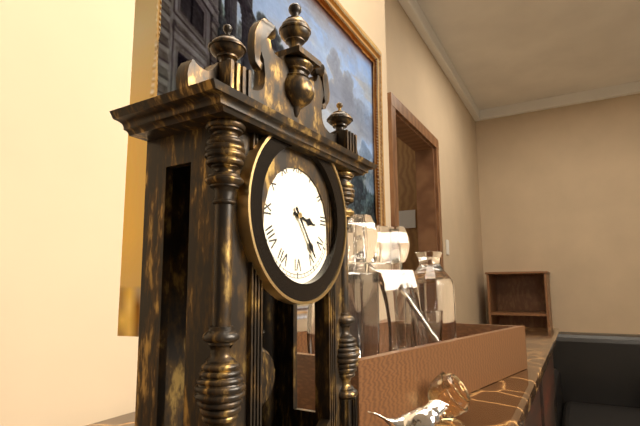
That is h=3 m=24
